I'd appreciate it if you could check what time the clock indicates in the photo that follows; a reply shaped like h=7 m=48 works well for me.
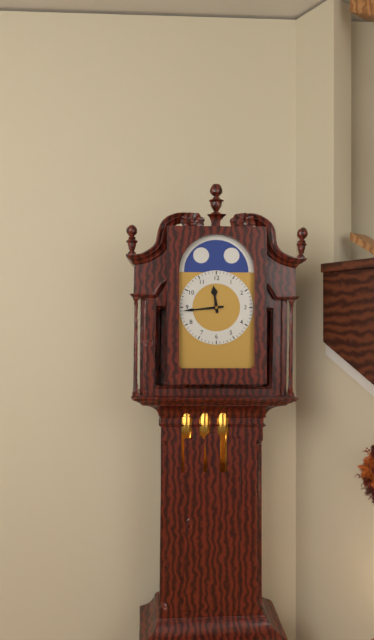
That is h=11 m=44
